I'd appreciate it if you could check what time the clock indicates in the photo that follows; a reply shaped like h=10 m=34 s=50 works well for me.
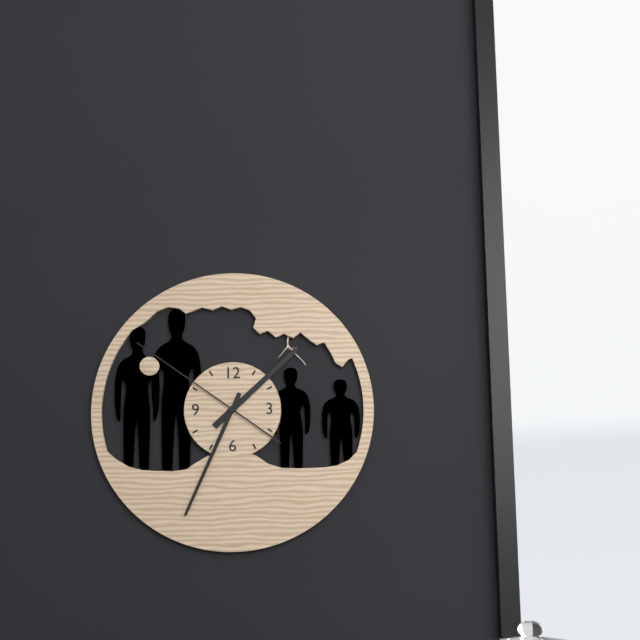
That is h=1 m=34 s=51
